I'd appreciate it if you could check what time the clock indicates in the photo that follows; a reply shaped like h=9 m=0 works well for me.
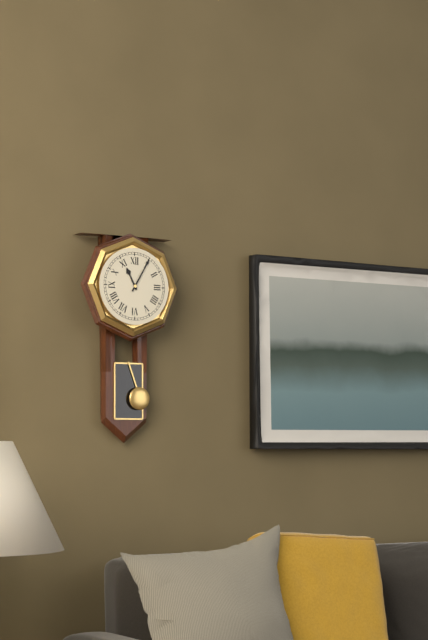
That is h=11 m=5
